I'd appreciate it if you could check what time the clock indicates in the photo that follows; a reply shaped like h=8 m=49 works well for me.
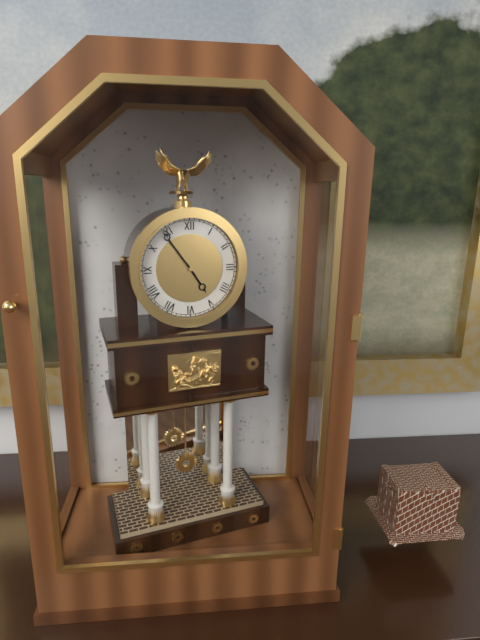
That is h=4 m=54
